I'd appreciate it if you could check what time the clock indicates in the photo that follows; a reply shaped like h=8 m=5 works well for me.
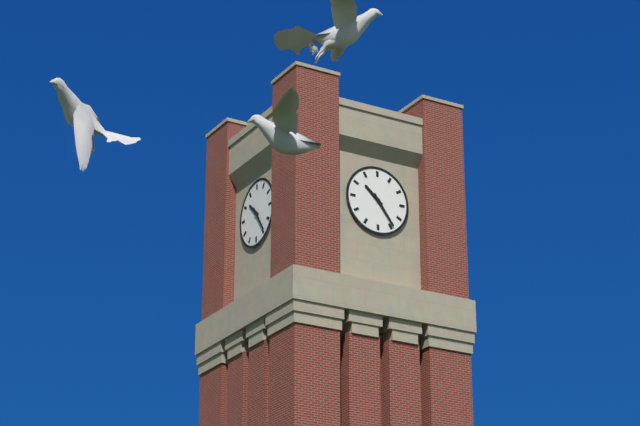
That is h=10 m=24
